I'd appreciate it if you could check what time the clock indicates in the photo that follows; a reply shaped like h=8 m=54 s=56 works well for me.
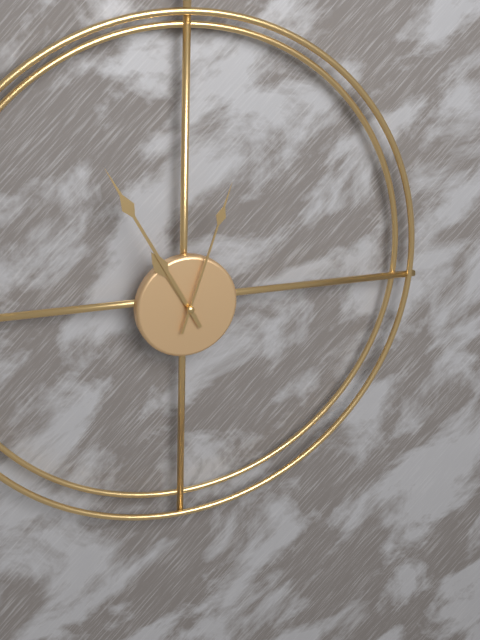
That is h=10 m=55 s=3
